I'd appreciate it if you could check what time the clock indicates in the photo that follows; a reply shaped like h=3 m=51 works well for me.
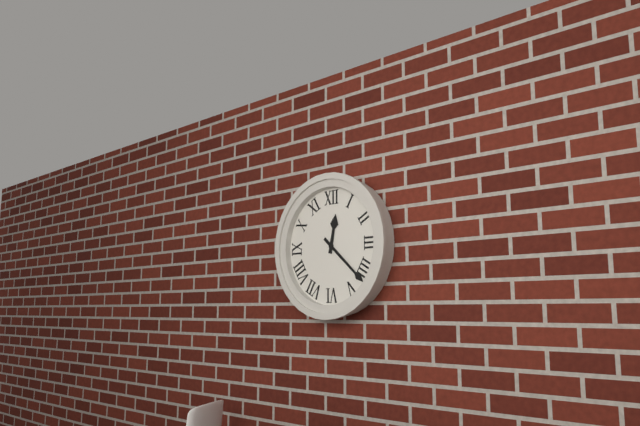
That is h=12 m=22
